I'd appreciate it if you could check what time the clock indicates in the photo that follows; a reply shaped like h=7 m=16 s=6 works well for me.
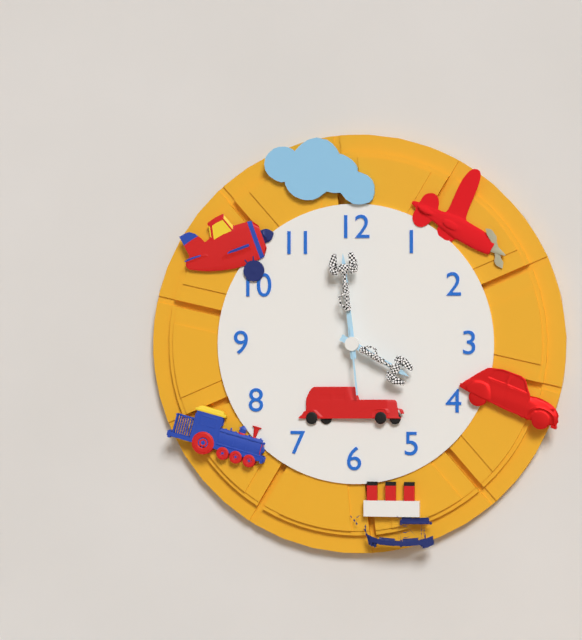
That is h=3 m=59 s=29
